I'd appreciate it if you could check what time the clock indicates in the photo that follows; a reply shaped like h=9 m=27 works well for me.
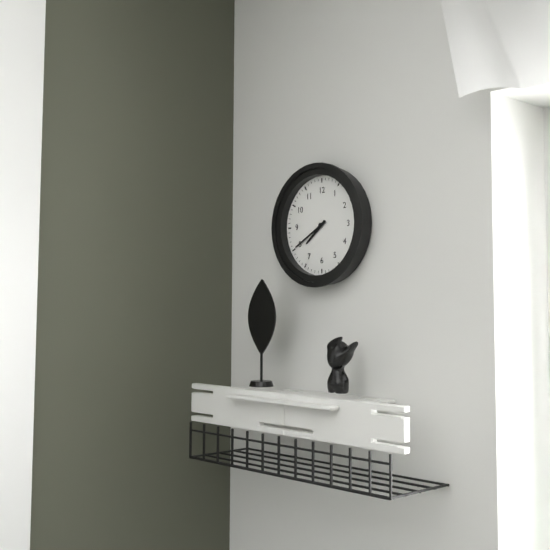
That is h=7 m=40
